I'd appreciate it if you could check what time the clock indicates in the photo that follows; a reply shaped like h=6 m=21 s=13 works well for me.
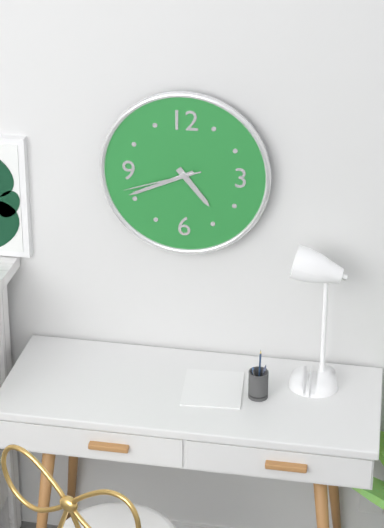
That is h=4 m=41 s=42
